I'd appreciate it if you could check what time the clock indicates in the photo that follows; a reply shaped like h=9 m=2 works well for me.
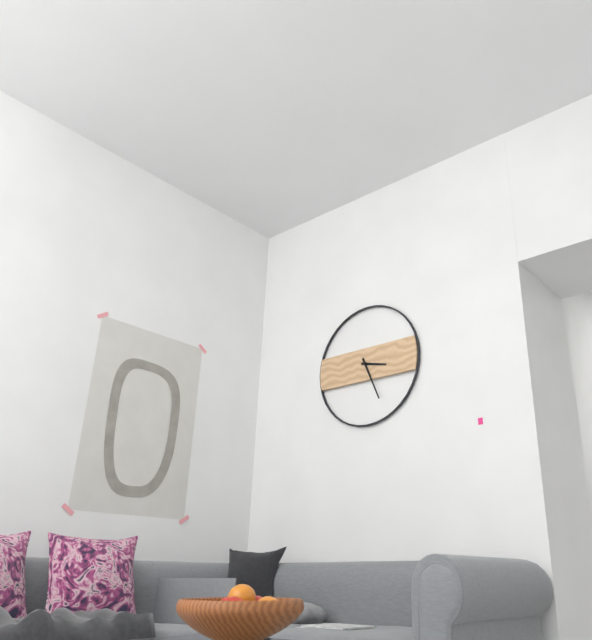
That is h=3 m=26
